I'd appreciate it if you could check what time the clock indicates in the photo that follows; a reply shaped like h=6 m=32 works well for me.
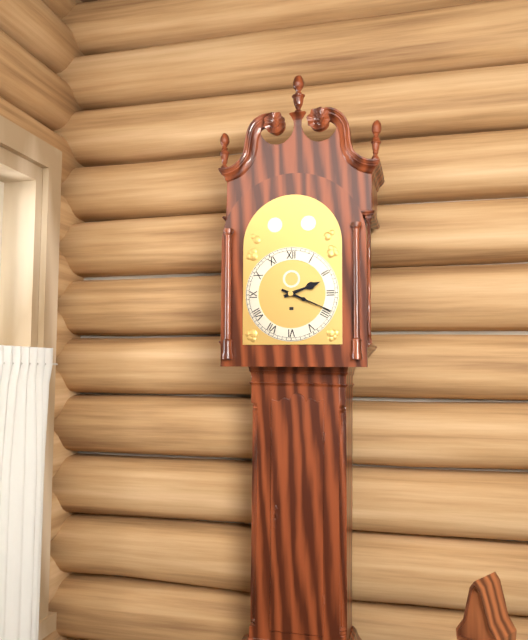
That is h=2 m=19
